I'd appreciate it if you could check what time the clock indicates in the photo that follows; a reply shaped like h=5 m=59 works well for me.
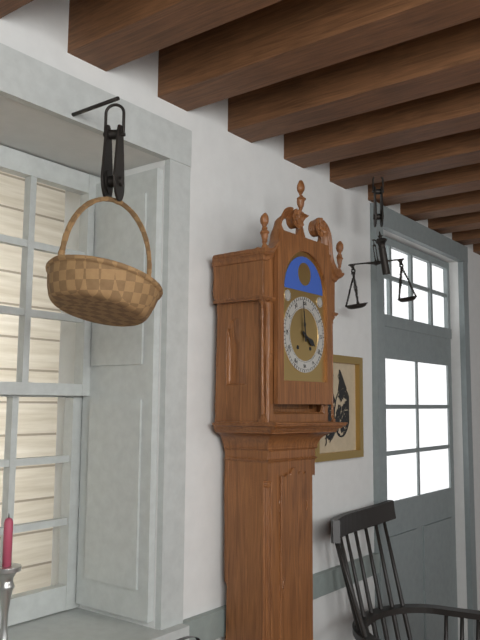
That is h=3 m=59
